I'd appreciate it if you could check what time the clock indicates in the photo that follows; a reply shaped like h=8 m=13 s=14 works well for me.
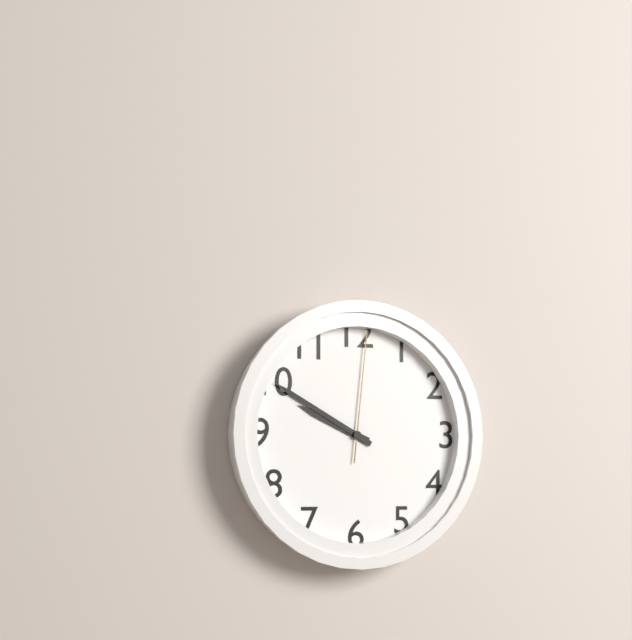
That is h=9 m=50 s=1
